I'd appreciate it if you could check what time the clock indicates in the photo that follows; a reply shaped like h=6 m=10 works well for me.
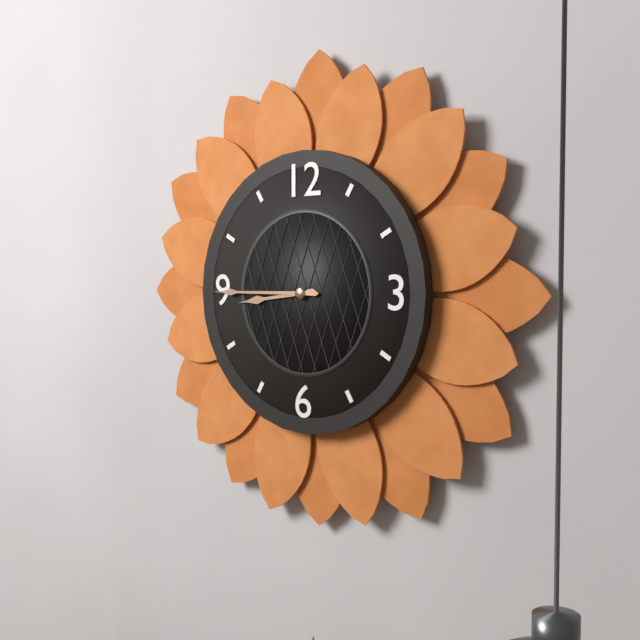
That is h=8 m=45
